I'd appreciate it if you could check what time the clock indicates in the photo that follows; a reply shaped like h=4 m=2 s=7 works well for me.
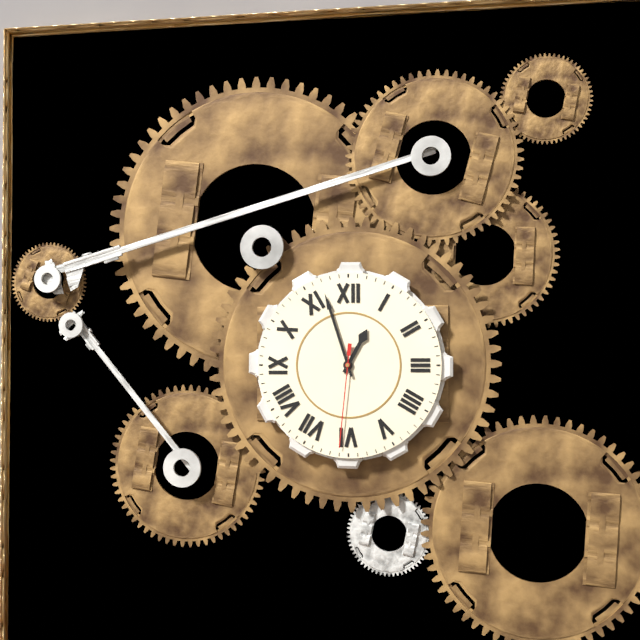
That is h=12 m=57 s=31
